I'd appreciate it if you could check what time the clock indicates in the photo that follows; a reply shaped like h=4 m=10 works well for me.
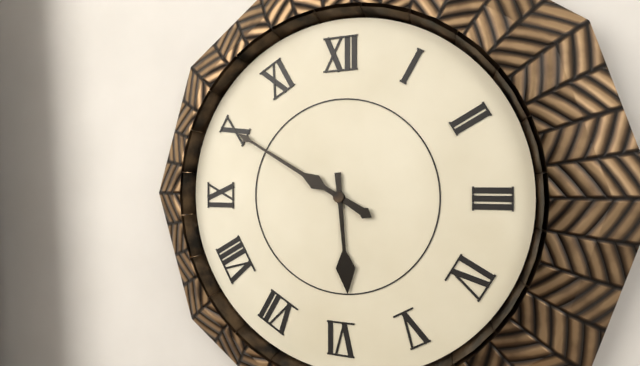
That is h=5 m=50
